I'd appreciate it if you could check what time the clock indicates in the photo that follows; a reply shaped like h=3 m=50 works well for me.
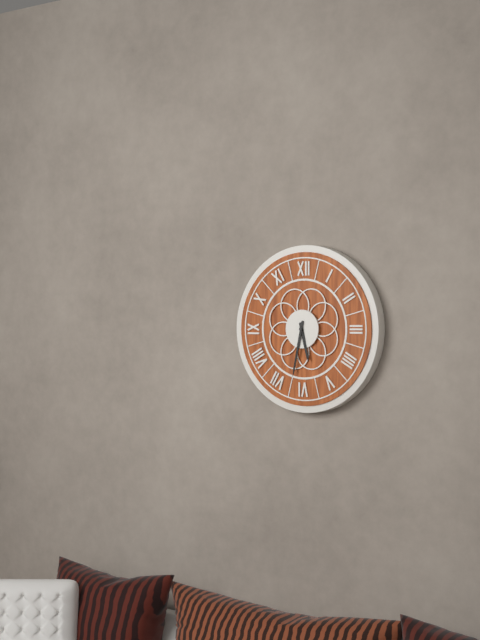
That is h=5 m=32
